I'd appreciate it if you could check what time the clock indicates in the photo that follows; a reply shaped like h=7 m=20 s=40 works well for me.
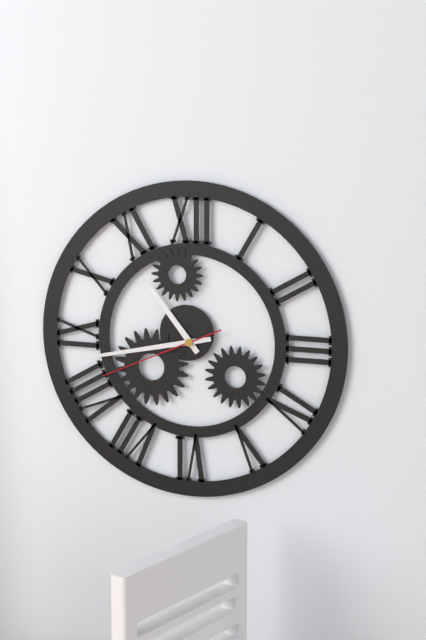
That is h=10 m=43 s=41
